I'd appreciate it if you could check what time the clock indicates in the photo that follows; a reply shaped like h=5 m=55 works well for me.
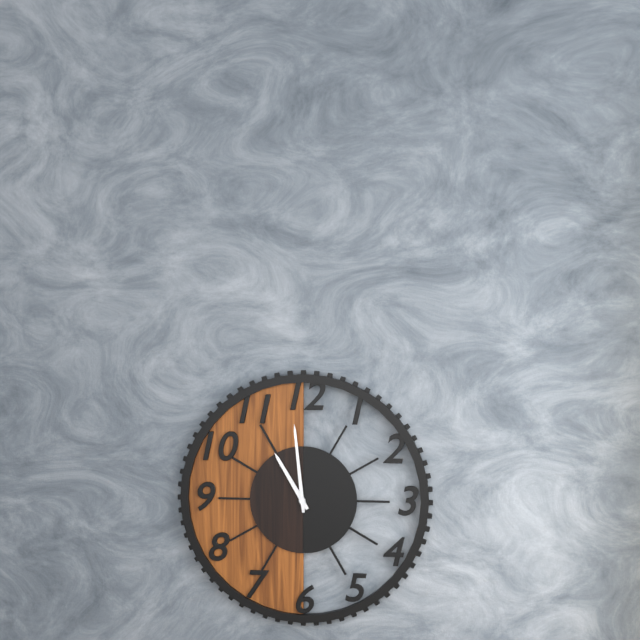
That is h=10 m=59
